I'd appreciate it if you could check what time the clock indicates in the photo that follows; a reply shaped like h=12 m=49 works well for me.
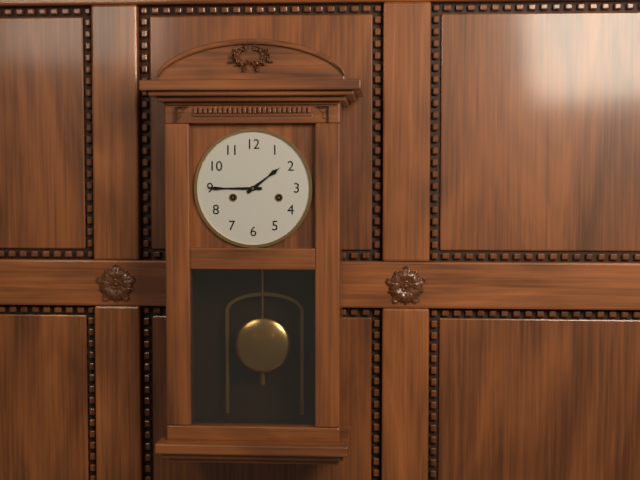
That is h=1 m=45
